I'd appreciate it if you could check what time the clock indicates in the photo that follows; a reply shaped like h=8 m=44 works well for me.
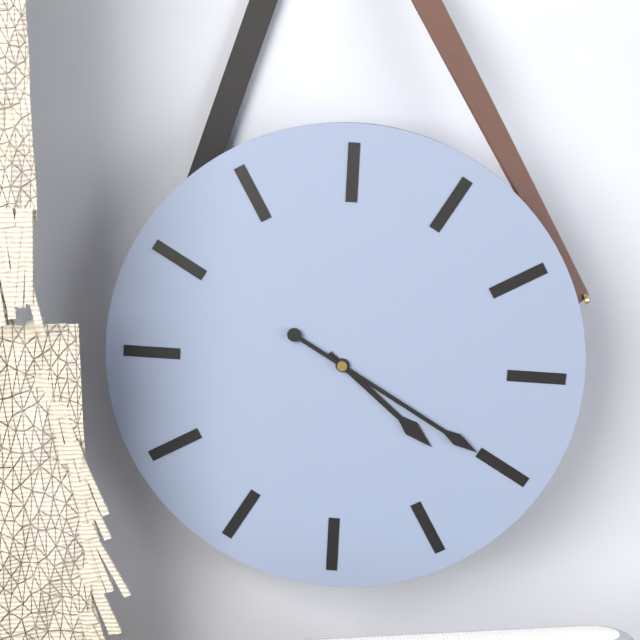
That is h=4 m=20
